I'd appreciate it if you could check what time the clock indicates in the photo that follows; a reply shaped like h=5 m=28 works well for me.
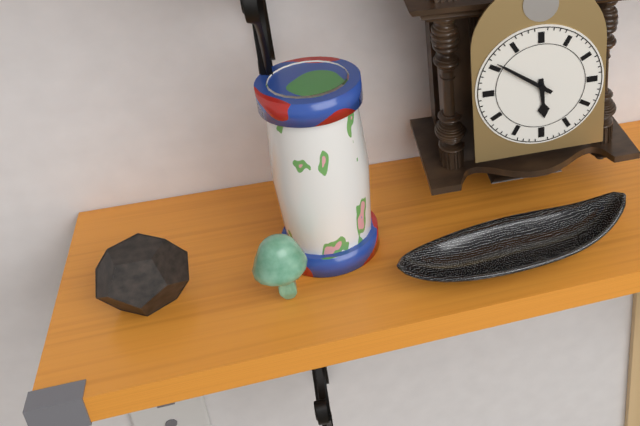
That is h=5 m=51
